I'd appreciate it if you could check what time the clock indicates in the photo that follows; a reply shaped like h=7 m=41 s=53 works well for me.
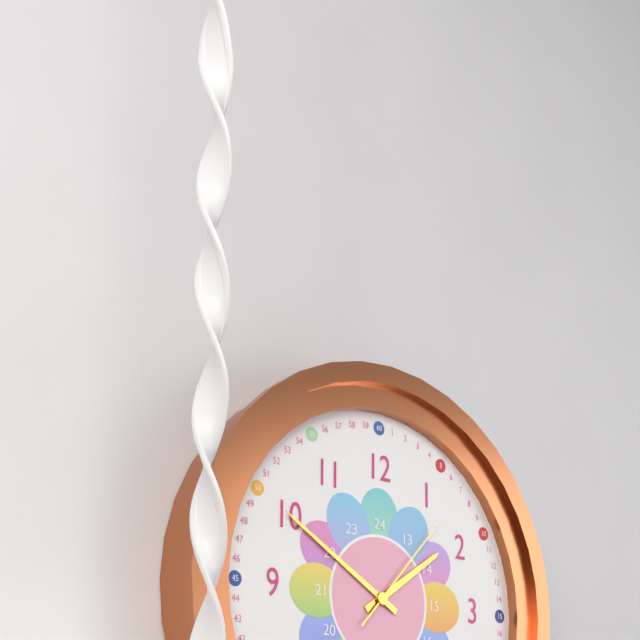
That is h=1 m=50 s=7
